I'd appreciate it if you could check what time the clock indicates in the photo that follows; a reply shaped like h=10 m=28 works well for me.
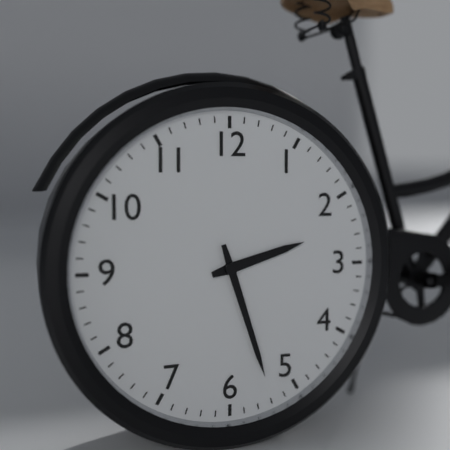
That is h=2 m=27
